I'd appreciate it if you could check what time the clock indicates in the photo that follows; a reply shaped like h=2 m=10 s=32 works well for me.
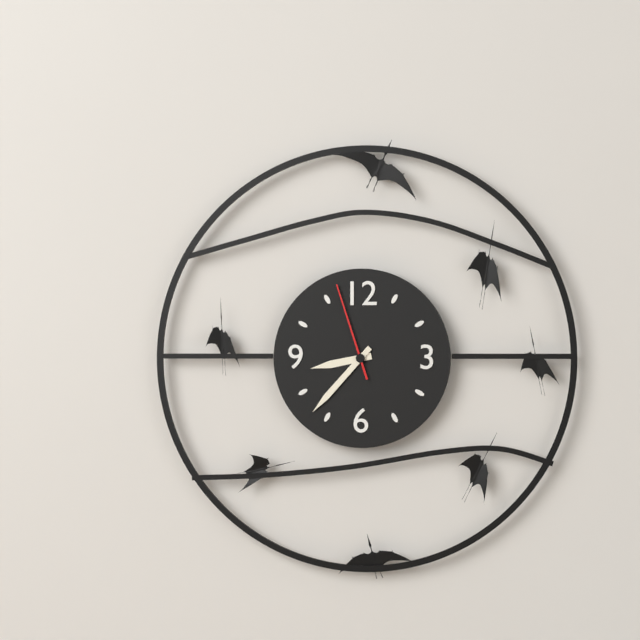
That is h=8 m=37 s=57
